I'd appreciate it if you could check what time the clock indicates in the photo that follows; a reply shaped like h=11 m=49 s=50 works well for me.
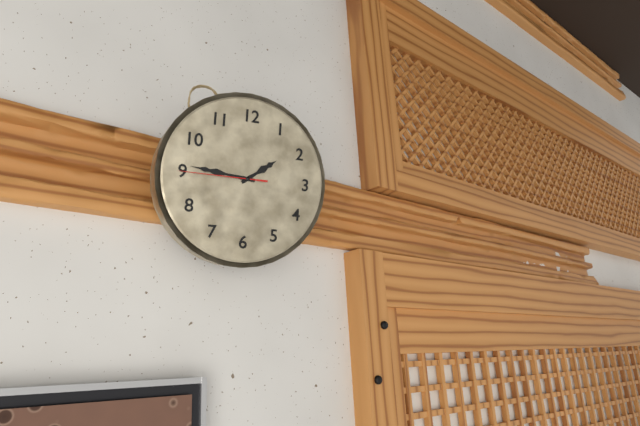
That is h=1 m=46 s=45
